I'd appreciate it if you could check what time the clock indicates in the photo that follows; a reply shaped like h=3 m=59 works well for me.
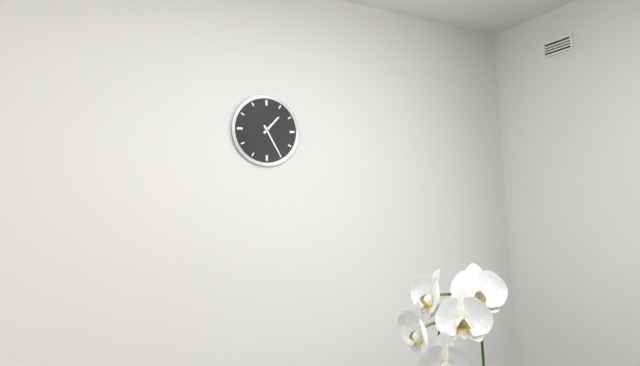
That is h=1 m=25
